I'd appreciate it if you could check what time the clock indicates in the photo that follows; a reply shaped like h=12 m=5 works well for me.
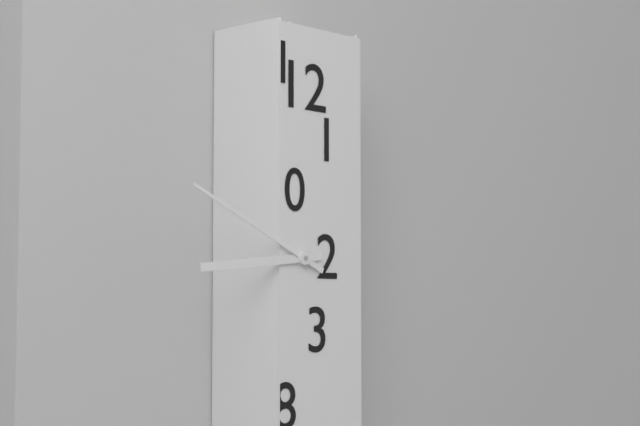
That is h=8 m=49
